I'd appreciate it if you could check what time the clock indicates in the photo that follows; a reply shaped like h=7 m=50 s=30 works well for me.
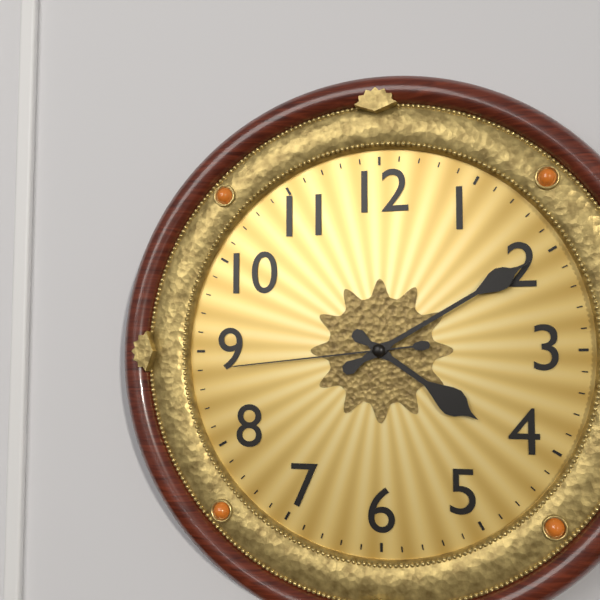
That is h=4 m=10 s=44
